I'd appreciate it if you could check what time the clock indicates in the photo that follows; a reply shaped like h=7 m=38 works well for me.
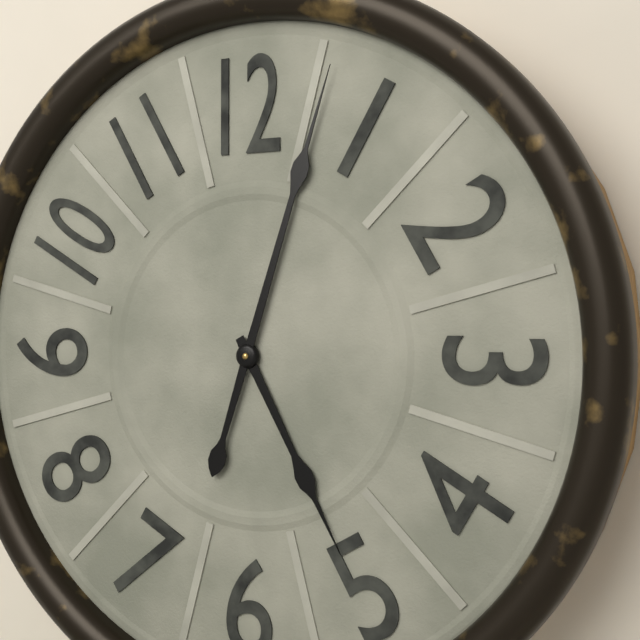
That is h=5 m=3
